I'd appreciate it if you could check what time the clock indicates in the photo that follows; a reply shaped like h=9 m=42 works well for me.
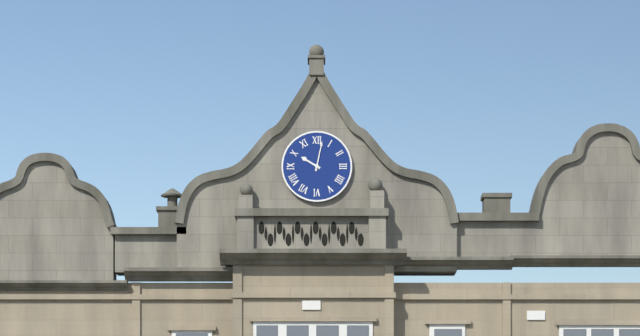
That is h=10 m=2
